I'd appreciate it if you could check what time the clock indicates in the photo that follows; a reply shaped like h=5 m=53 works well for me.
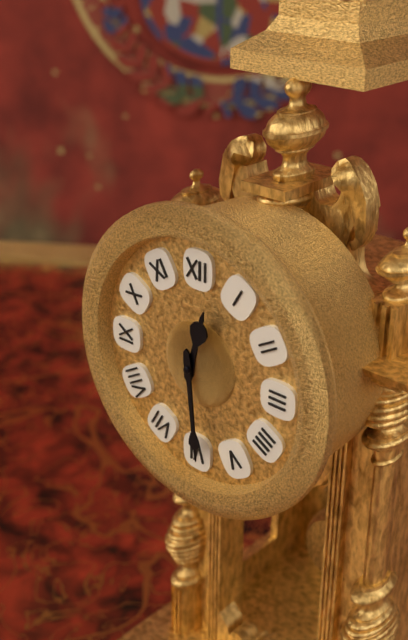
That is h=12 m=29
